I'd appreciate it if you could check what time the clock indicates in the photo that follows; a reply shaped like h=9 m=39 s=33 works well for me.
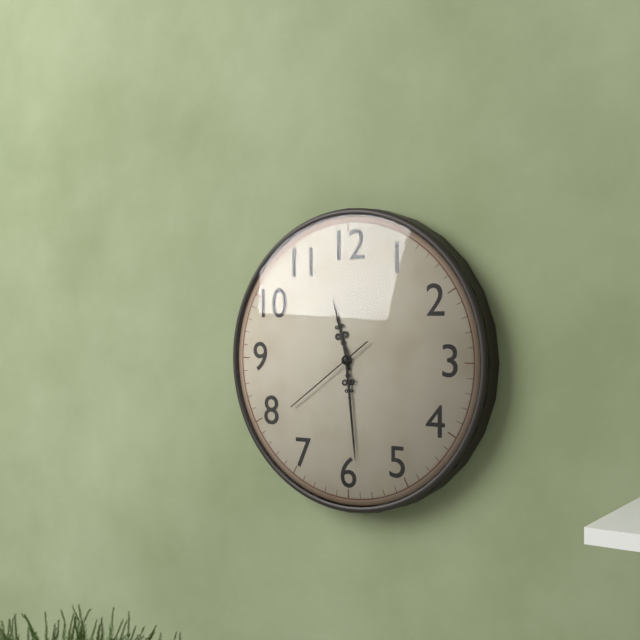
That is h=11 m=29 s=39
